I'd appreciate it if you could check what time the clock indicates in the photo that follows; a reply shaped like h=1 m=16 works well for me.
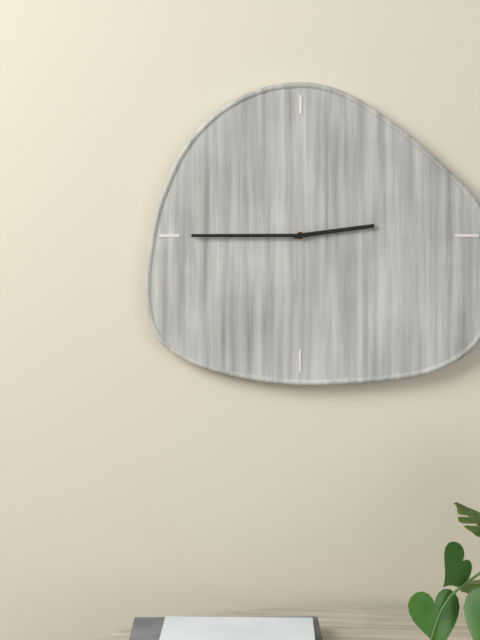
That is h=2 m=45
